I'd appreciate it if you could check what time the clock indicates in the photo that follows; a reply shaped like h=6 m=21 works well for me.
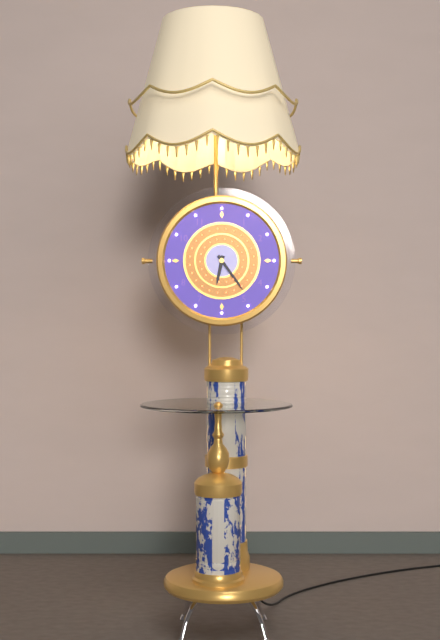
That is h=6 m=24
